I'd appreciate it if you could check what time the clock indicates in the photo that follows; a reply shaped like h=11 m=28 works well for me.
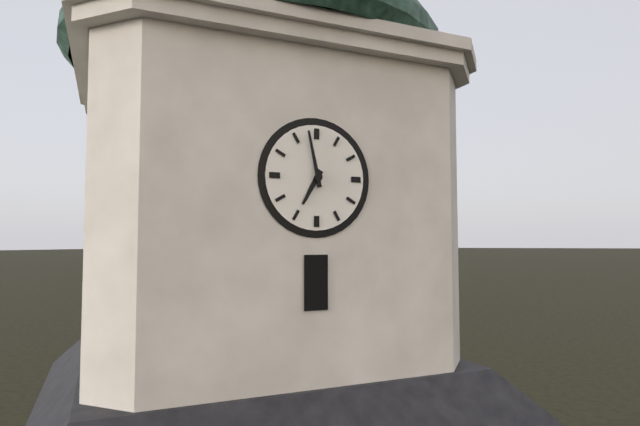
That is h=6 m=58
